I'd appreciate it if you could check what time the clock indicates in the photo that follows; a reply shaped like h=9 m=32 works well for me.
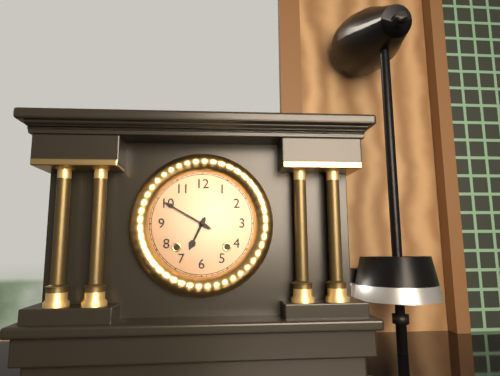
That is h=6 m=50
